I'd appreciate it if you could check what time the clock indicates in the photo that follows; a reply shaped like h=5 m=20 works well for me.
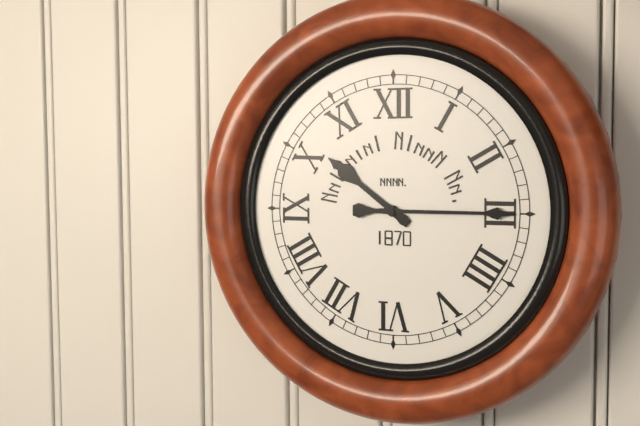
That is h=10 m=15
